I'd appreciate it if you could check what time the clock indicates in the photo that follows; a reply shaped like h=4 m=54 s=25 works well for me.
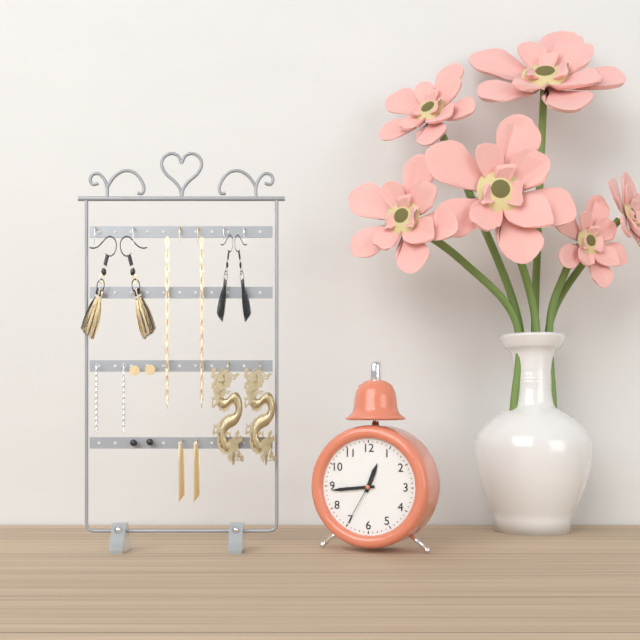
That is h=12 m=44 s=35
